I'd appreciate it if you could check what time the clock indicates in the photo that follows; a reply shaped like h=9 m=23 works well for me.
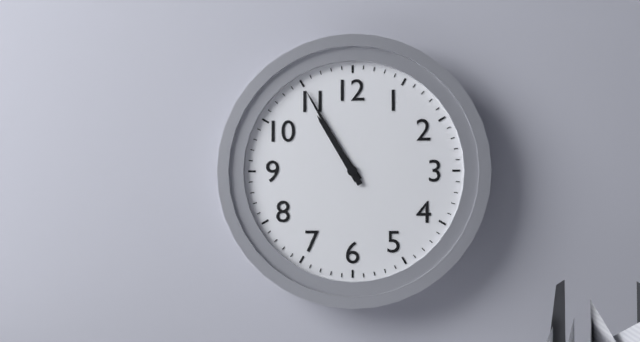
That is h=10 m=55
